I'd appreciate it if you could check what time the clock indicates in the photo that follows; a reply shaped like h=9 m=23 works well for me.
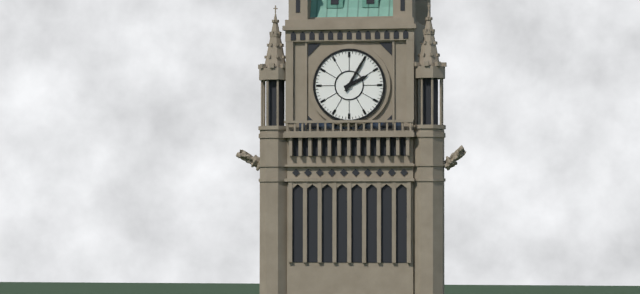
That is h=2 m=5
